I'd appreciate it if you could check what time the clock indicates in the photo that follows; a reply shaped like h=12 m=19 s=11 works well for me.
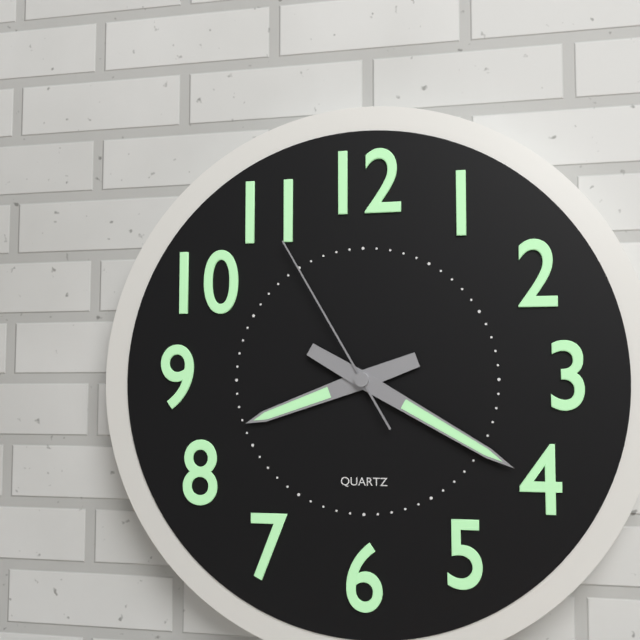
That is h=8 m=20 s=55
